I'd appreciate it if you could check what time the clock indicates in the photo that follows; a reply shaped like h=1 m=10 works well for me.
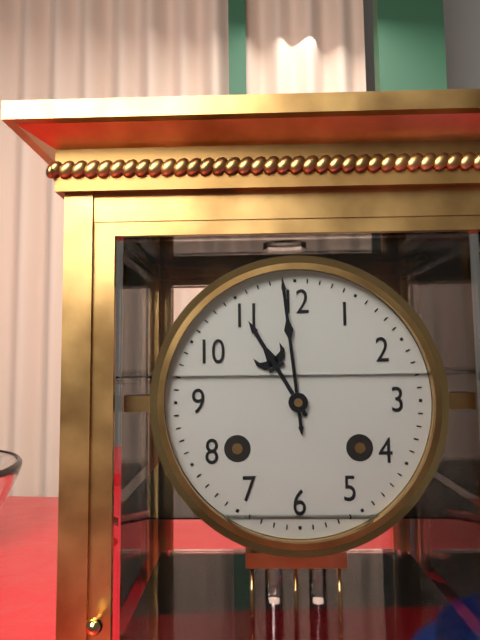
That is h=10 m=59
